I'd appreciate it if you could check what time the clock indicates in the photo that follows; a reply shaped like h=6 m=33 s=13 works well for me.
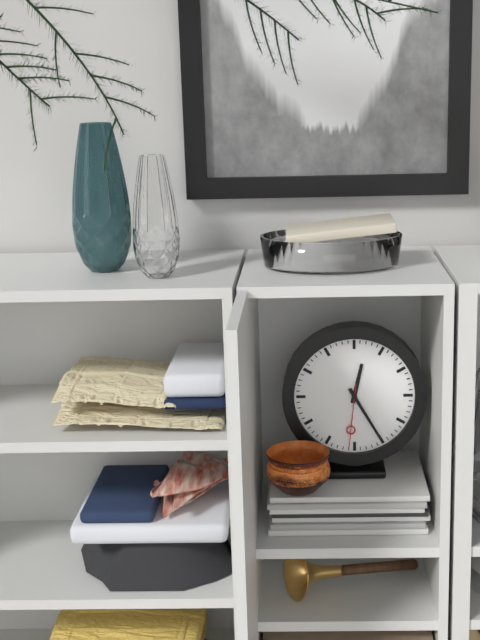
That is h=12 m=25 s=31
